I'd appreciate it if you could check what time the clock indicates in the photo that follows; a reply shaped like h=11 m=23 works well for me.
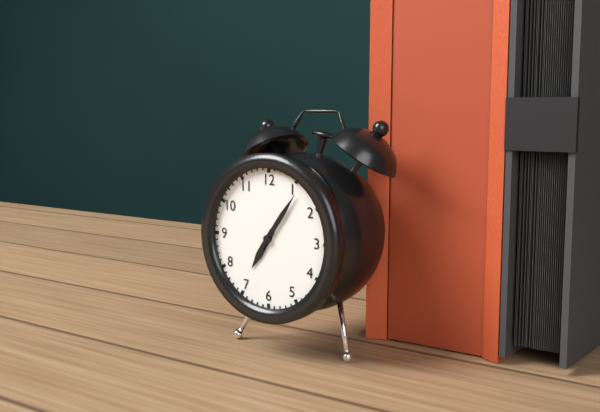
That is h=7 m=6
